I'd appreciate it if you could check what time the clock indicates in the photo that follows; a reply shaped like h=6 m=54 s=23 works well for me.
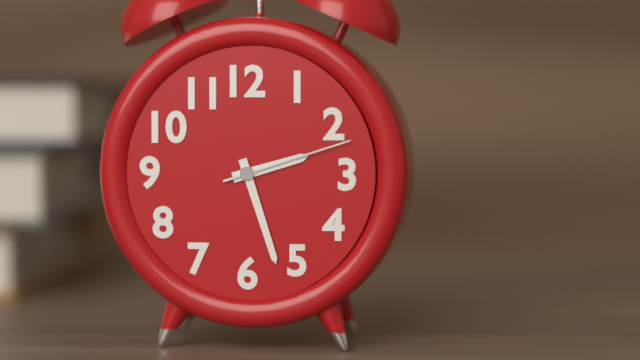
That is h=2 m=27 s=12
